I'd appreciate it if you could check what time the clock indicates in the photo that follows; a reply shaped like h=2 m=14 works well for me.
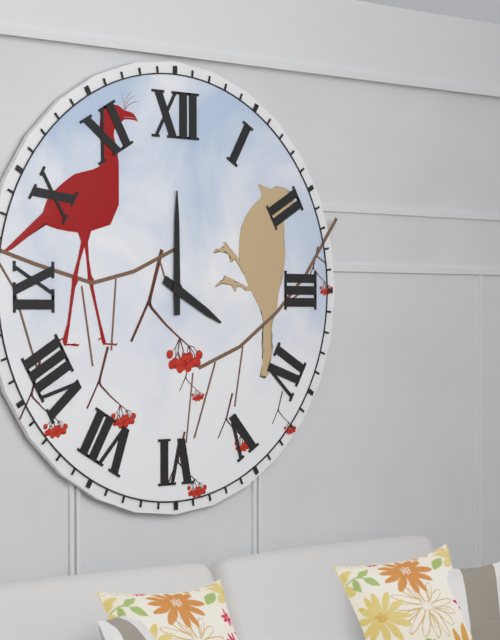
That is h=4 m=0
